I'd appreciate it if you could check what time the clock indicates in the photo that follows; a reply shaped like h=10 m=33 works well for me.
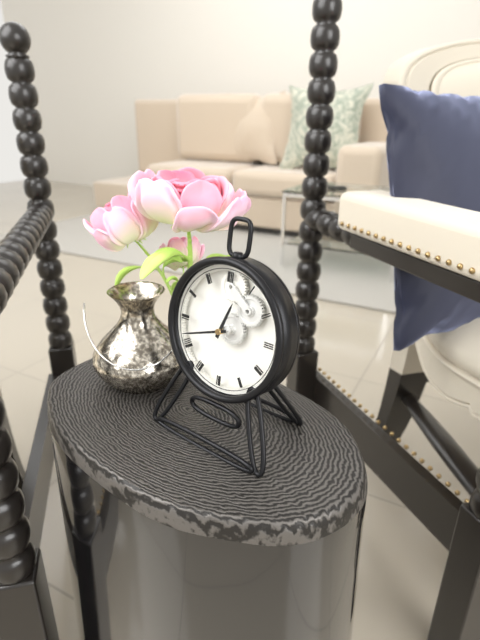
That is h=12 m=42
